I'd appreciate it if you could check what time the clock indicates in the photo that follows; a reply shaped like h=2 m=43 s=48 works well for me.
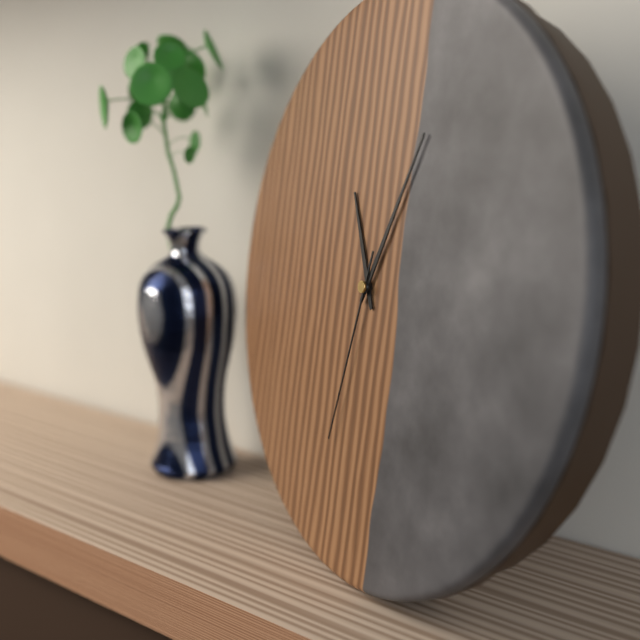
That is h=11 m=4 s=32
